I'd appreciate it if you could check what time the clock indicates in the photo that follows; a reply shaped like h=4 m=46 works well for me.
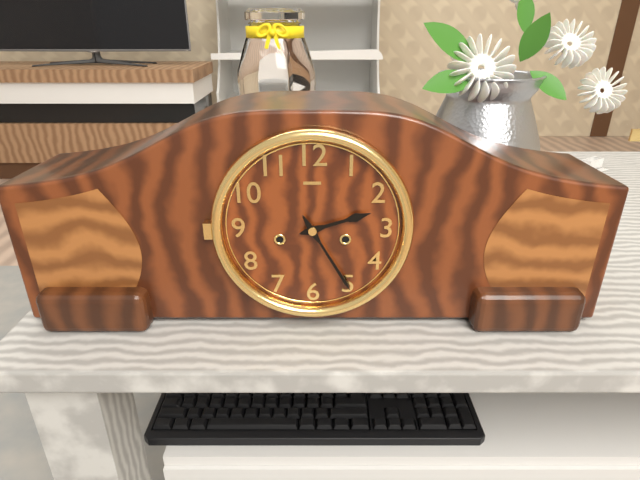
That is h=2 m=25
